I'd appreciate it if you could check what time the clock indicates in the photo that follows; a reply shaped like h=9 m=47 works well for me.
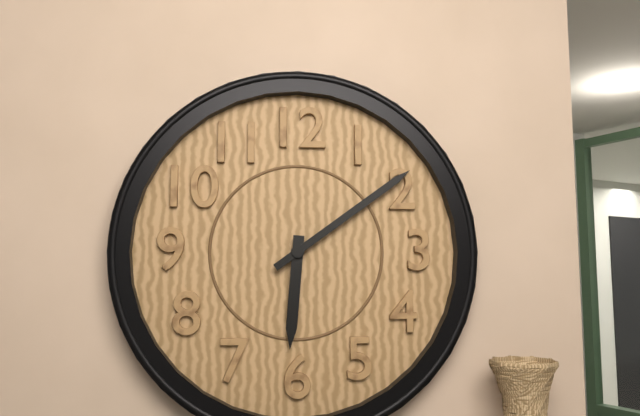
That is h=6 m=9
